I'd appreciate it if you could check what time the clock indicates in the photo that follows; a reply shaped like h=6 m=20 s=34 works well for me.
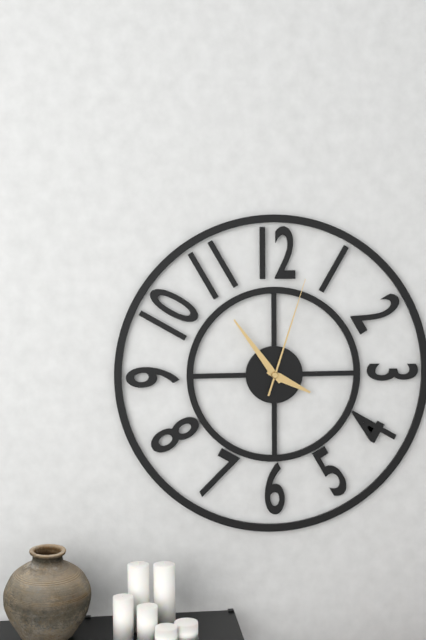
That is h=3 m=54 s=3
